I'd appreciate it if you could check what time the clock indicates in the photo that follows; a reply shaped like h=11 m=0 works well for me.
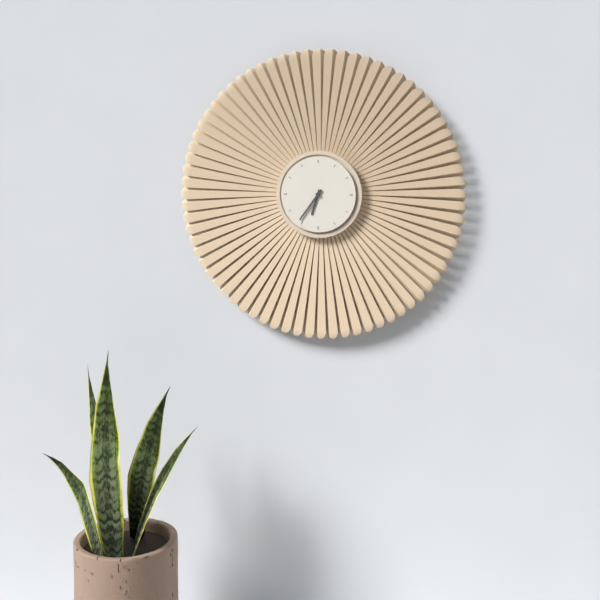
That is h=6 m=36
